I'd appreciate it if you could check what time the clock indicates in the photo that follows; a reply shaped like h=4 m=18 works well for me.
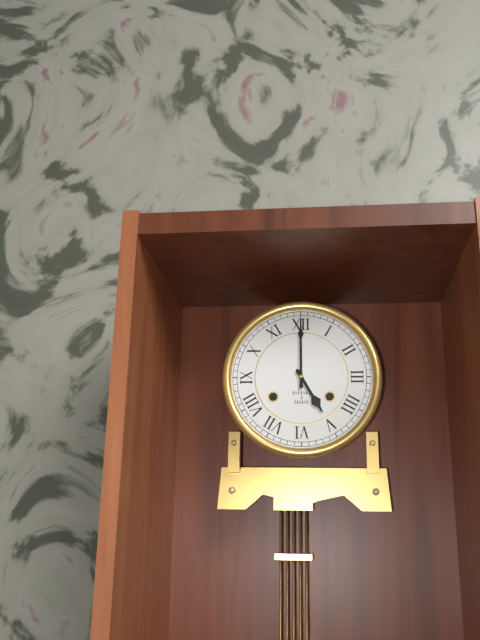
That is h=5 m=0
